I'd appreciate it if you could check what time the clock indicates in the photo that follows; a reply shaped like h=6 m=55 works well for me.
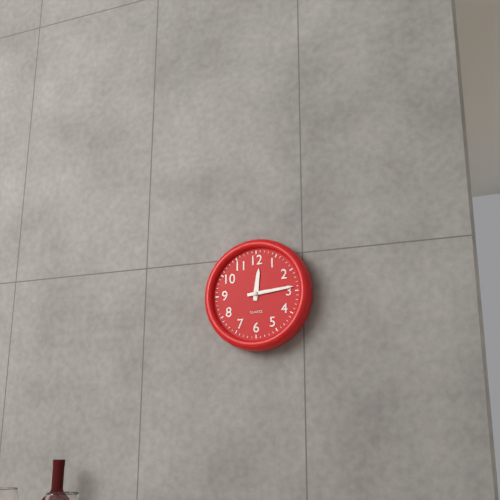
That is h=12 m=14
